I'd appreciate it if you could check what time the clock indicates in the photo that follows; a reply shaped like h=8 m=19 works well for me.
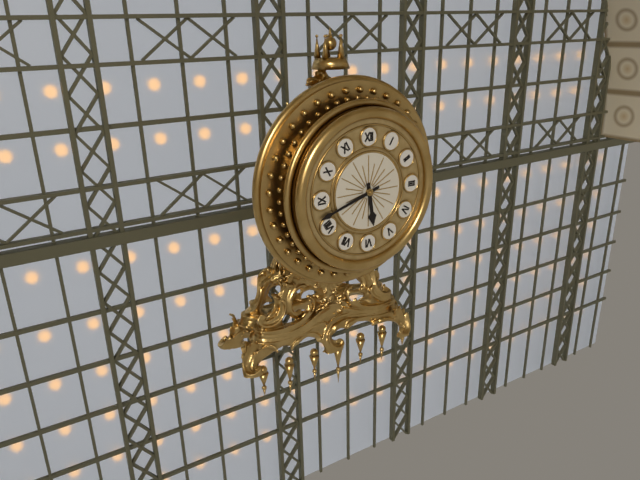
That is h=5 m=42
